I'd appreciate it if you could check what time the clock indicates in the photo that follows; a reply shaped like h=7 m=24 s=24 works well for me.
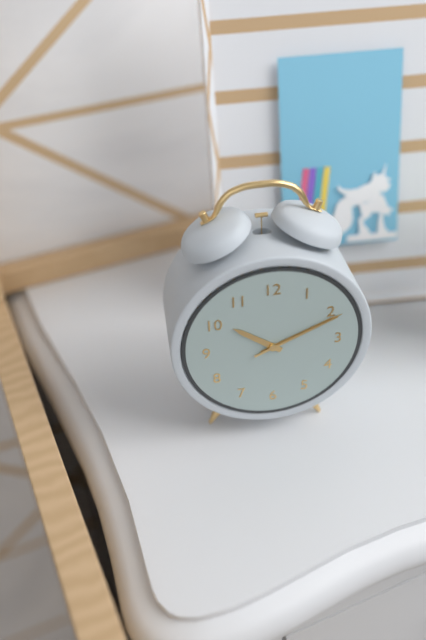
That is h=10 m=11 s=11
